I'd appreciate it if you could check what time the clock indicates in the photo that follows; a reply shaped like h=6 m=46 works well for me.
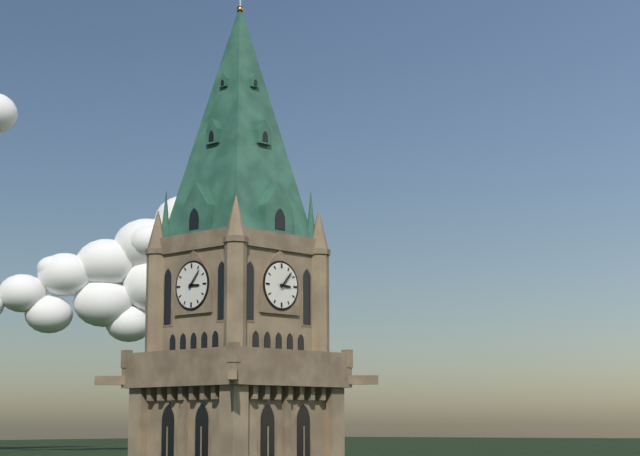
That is h=3 m=7
